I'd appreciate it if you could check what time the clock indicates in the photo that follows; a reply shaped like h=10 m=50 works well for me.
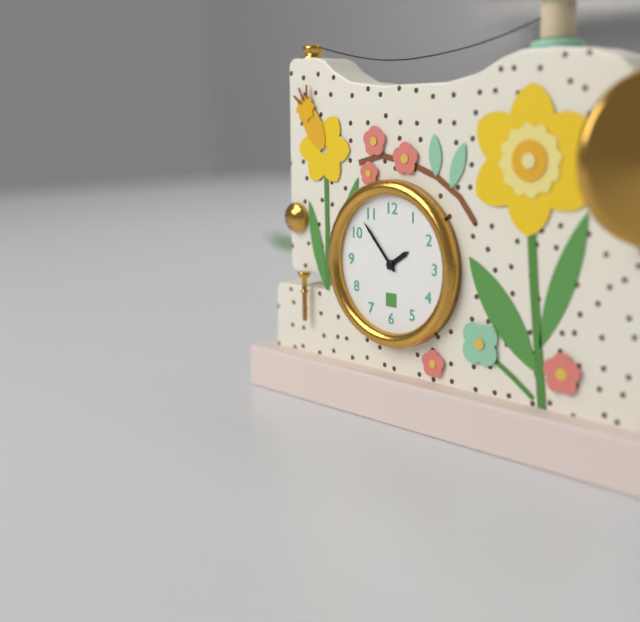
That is h=1 m=53
